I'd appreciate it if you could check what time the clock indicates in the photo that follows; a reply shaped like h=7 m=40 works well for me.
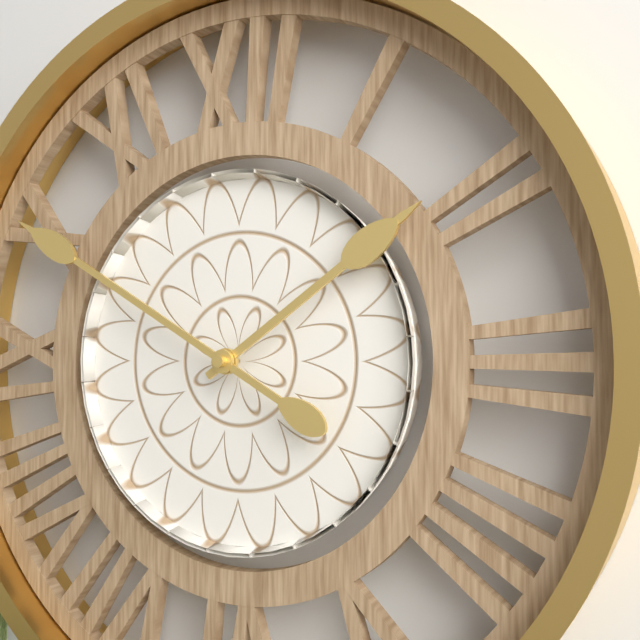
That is h=1 m=50
